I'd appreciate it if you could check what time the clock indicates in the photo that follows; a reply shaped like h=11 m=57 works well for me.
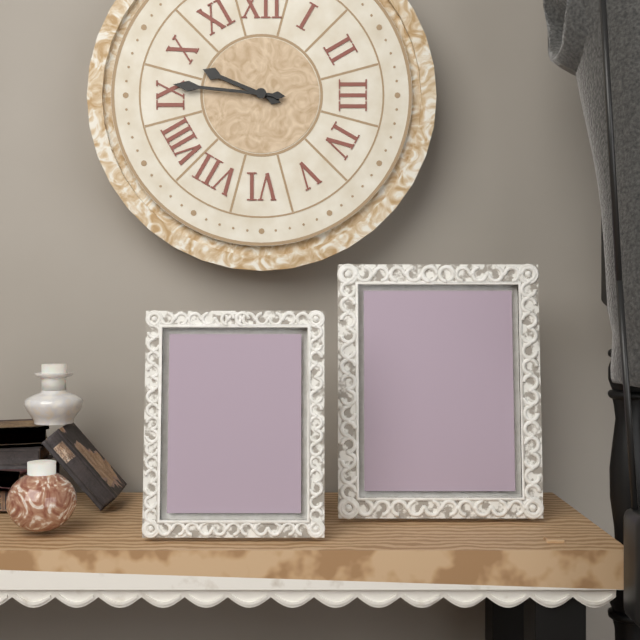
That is h=9 m=46
